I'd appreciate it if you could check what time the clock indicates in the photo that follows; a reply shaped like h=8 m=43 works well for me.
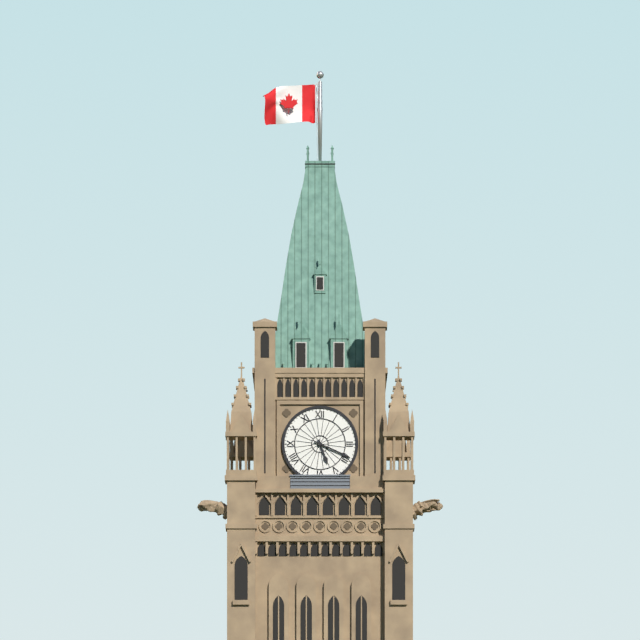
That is h=5 m=19
